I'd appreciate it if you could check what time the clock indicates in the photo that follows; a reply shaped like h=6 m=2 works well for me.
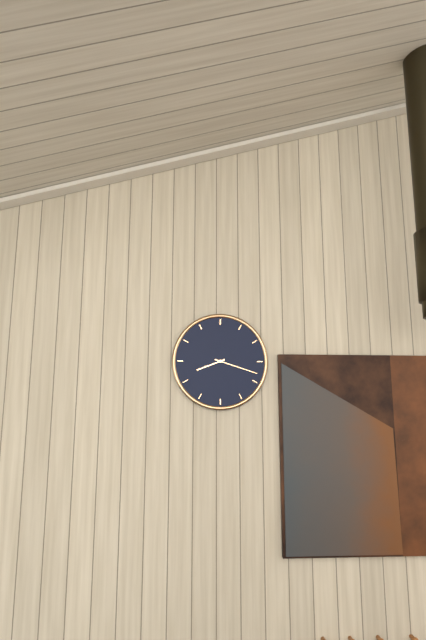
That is h=8 m=18
